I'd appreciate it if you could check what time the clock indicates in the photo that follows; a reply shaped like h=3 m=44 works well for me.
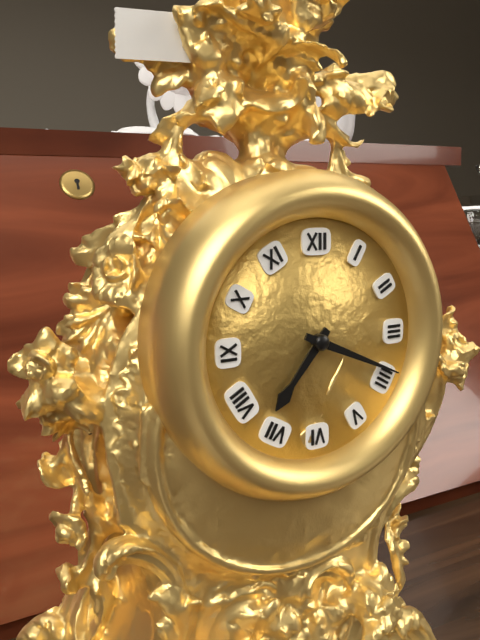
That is h=7 m=19
